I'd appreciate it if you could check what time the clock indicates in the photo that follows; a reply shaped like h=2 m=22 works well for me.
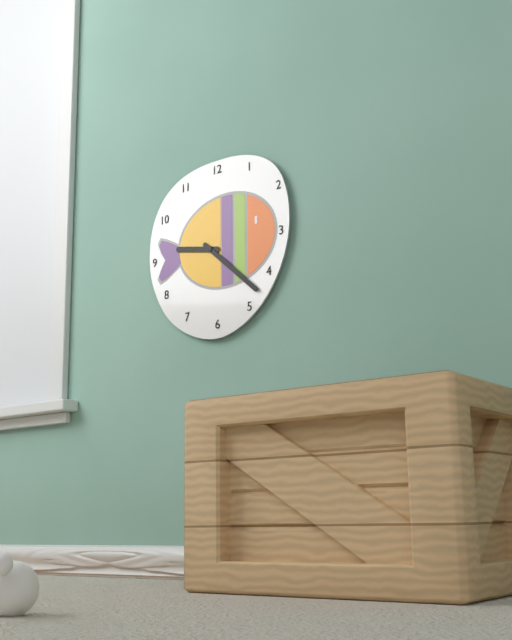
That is h=9 m=22
